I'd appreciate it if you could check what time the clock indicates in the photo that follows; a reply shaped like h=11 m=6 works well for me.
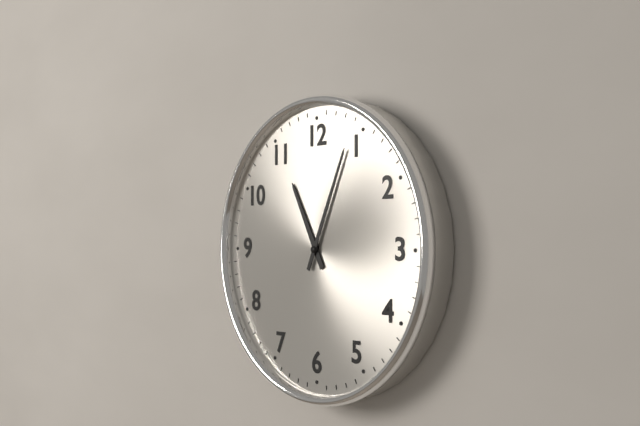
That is h=11 m=4
